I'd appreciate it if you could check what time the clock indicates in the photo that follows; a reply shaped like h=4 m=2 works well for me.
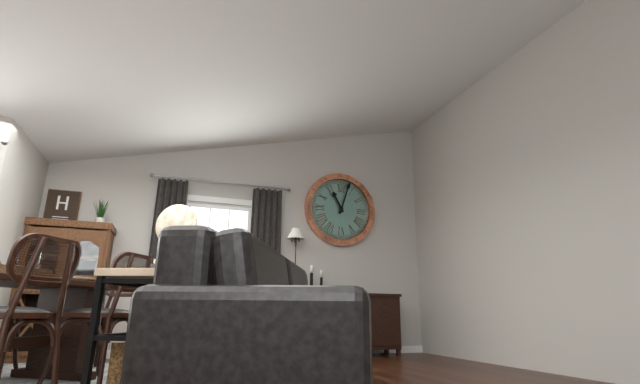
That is h=11 m=3
